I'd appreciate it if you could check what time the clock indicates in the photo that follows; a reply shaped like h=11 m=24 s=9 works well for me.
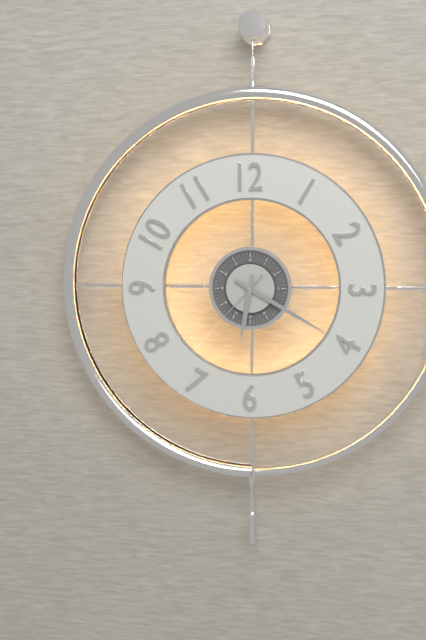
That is h=6 m=20 s=37
